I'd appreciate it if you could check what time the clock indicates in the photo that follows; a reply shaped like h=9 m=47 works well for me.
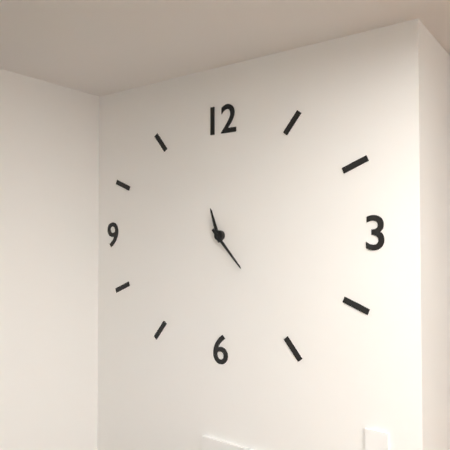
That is h=11 m=23
